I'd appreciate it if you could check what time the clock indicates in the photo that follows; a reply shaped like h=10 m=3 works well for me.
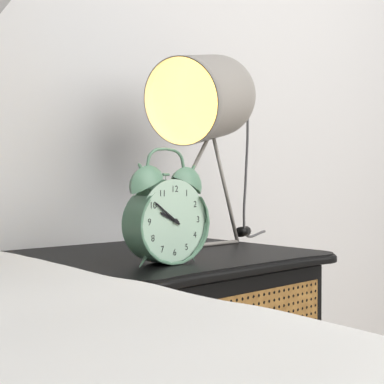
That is h=9 m=51
